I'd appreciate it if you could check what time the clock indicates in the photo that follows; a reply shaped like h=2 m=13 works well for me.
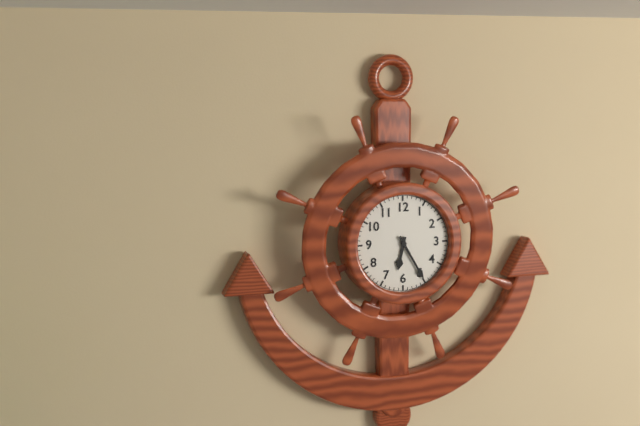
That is h=6 m=25
